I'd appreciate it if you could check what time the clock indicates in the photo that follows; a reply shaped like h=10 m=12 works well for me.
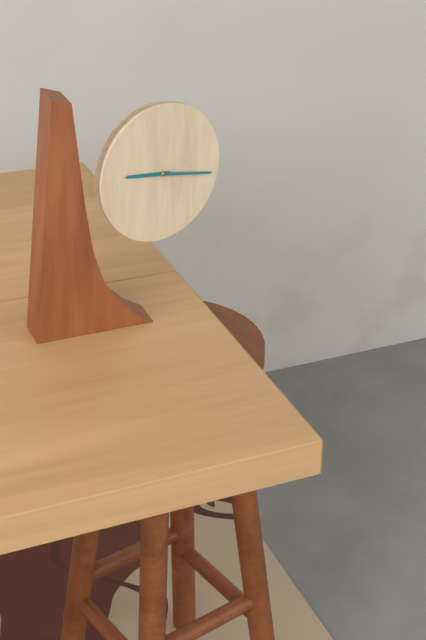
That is h=9 m=17
